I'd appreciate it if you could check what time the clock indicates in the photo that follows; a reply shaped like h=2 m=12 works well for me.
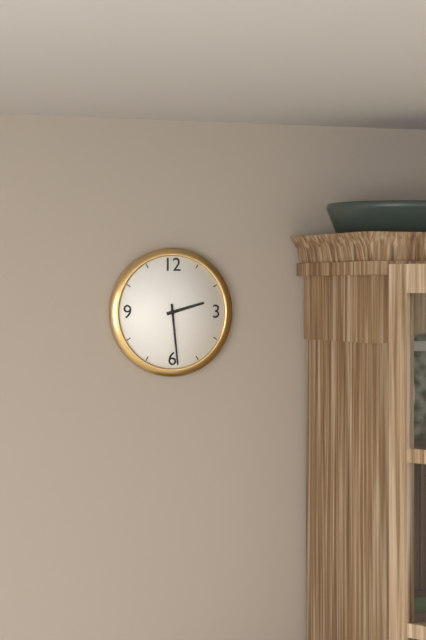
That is h=2 m=29
